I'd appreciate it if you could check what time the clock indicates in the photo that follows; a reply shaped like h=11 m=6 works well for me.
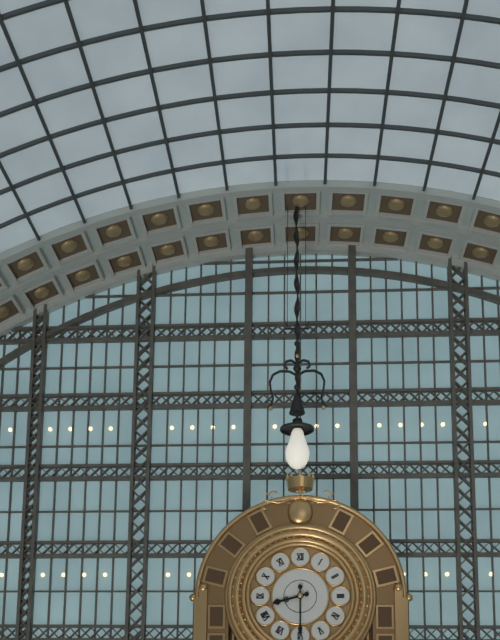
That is h=8 m=30
